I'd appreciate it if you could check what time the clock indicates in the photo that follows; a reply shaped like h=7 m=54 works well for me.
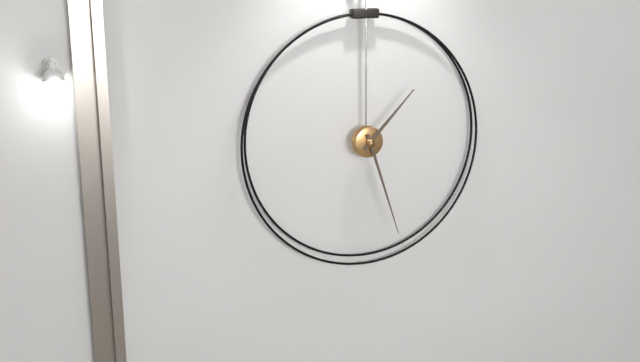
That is h=1 m=27
